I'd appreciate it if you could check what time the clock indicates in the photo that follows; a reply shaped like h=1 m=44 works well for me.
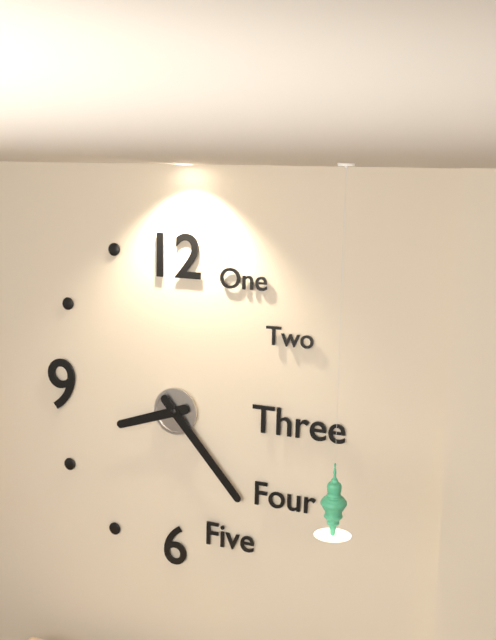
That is h=8 m=23
